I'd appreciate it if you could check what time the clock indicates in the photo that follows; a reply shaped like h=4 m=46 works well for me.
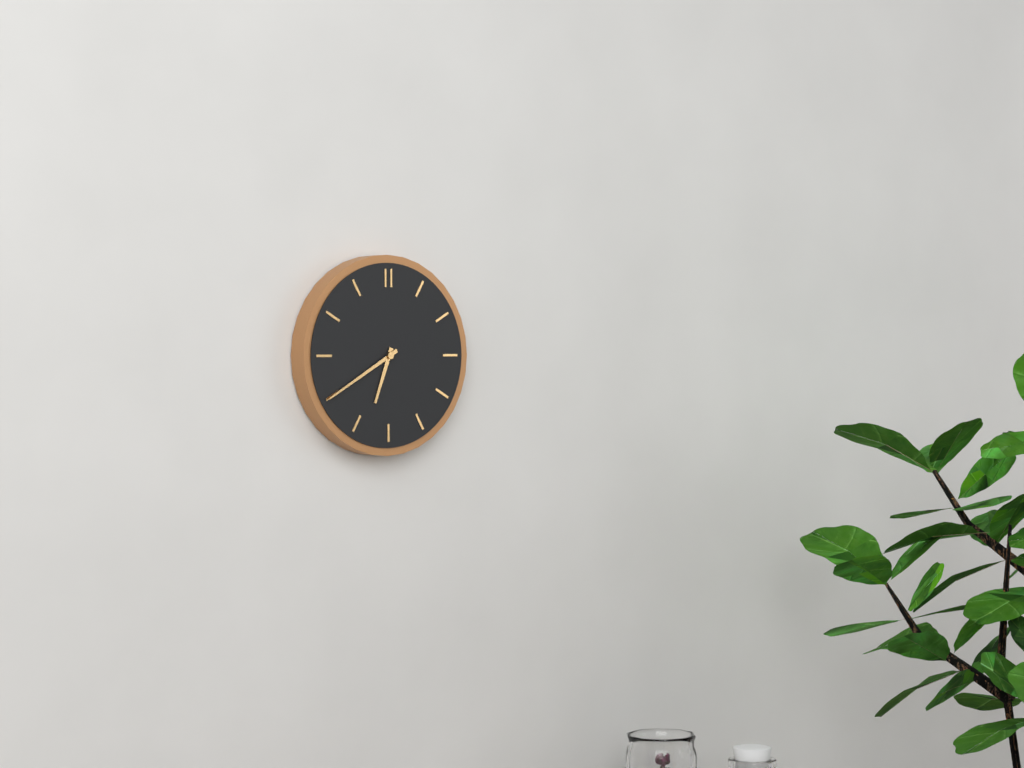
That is h=6 m=40
